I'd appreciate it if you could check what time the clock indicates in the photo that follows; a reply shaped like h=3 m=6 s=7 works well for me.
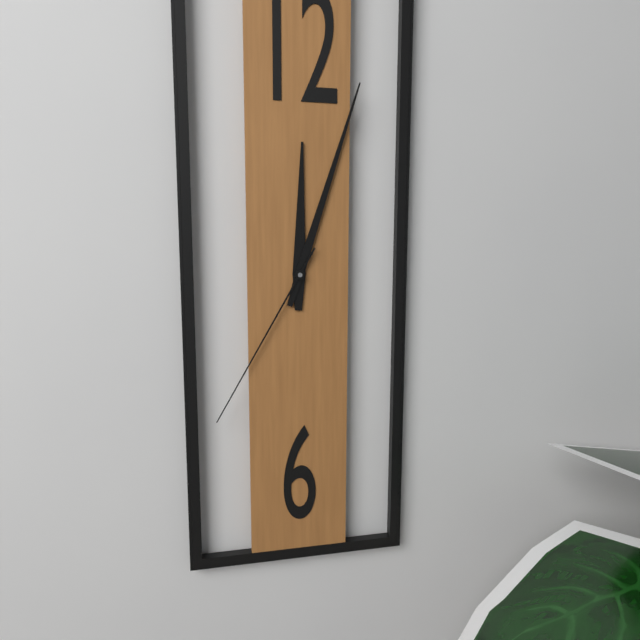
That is h=12 m=3 s=35
